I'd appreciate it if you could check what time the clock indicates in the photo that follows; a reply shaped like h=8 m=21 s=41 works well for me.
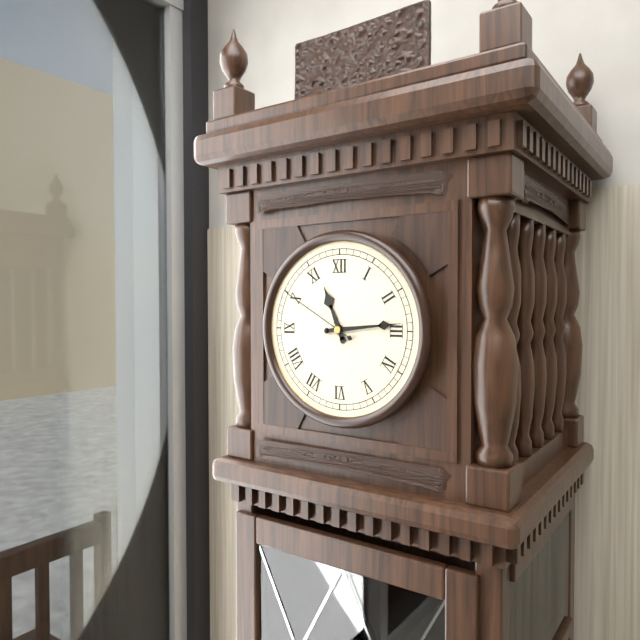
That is h=11 m=14 s=50
